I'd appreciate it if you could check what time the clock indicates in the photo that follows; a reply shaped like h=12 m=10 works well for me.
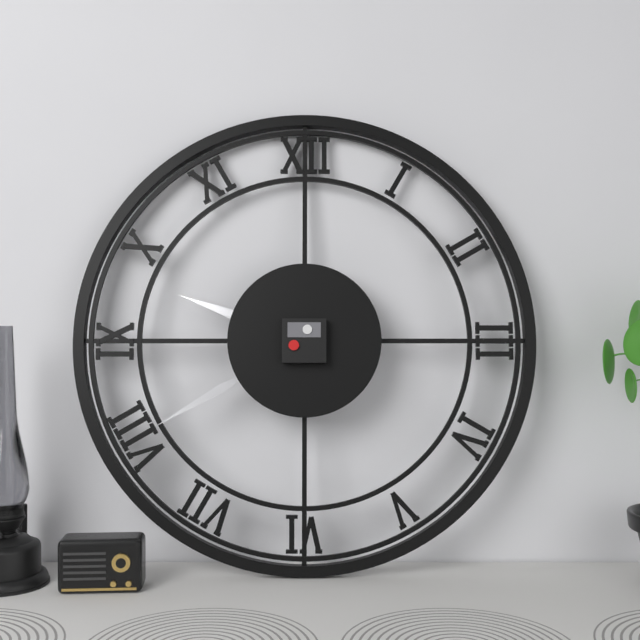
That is h=9 m=40
